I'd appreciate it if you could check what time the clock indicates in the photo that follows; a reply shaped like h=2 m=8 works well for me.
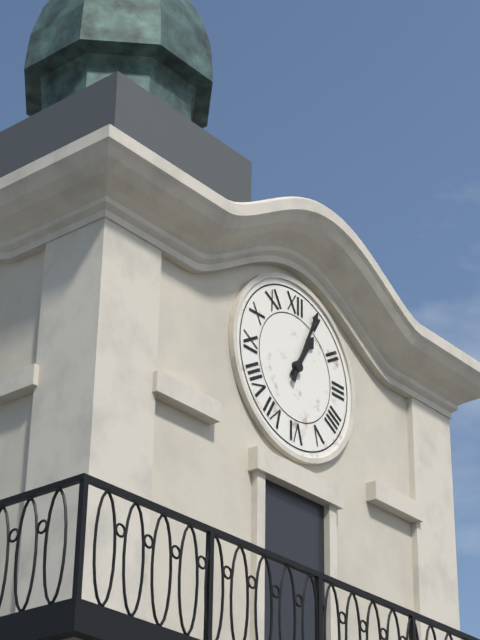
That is h=1 m=4
